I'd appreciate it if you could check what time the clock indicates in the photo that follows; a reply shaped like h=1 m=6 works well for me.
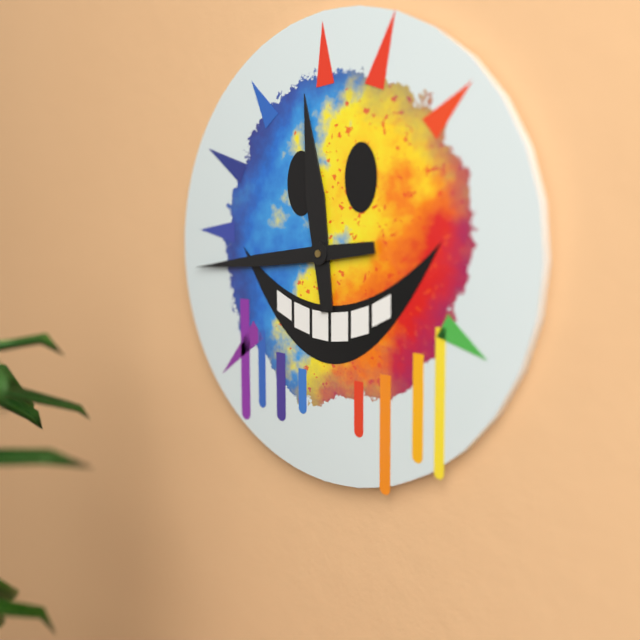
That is h=11 m=44
